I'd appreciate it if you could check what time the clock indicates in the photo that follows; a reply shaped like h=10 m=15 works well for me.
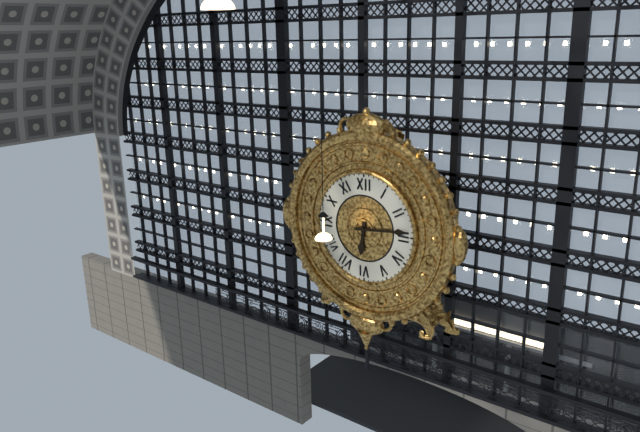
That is h=6 m=14
